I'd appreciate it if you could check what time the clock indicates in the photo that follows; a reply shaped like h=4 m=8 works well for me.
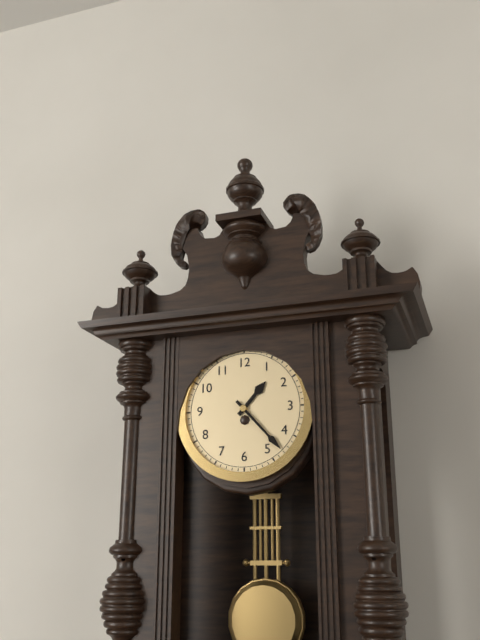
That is h=1 m=23
